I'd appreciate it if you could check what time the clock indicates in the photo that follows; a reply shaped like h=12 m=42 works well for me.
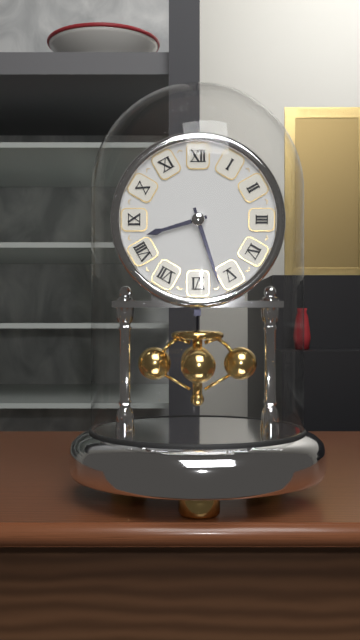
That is h=8 m=27
